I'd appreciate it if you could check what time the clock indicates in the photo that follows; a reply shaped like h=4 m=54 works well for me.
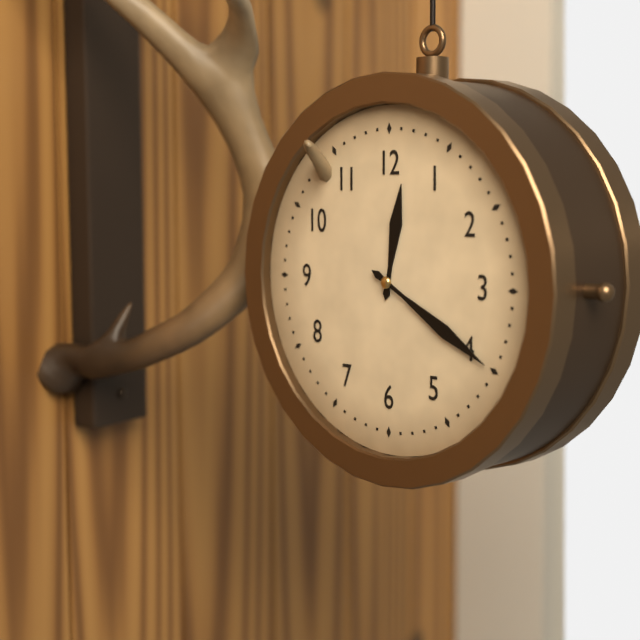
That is h=12 m=20
